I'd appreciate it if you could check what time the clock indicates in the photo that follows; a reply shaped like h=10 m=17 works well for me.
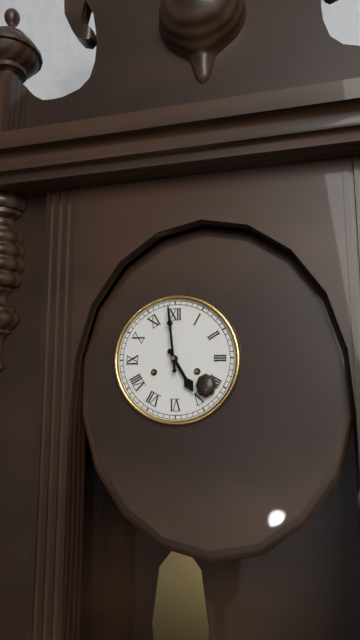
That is h=4 m=59
